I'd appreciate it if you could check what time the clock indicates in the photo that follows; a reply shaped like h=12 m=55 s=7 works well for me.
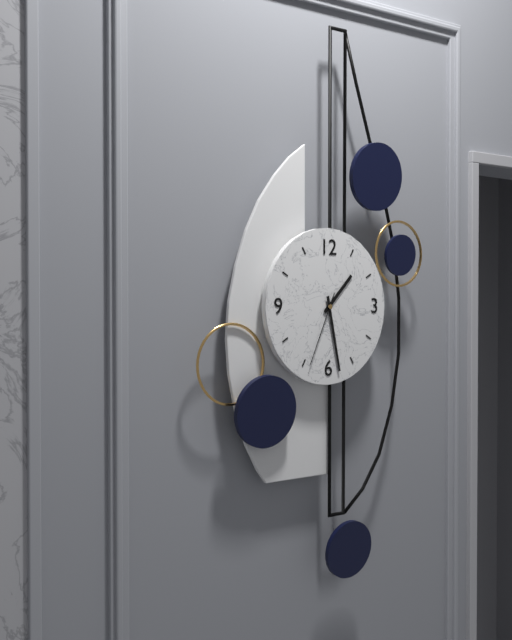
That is h=1 m=28 s=34
